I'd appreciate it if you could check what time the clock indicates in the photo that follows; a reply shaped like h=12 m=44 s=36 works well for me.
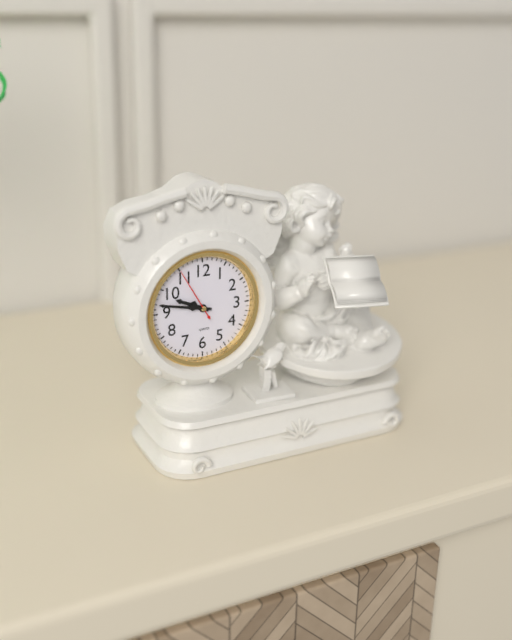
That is h=9 m=47 s=55
